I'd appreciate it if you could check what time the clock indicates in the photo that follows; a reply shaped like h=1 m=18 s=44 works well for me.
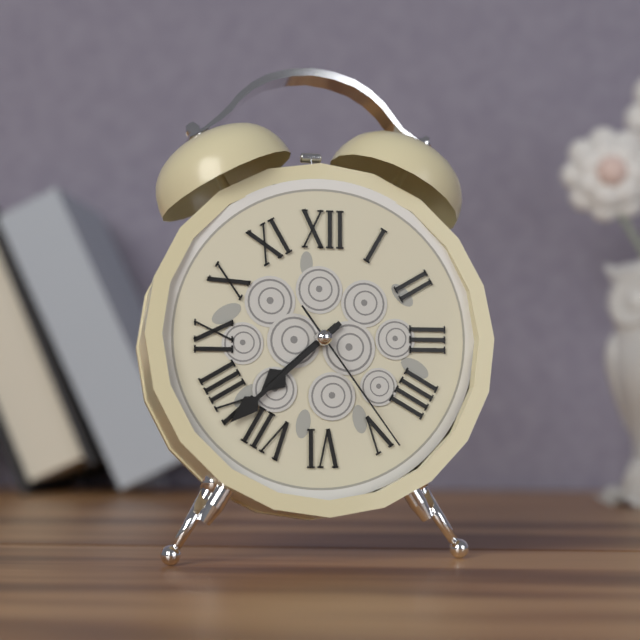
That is h=7 m=38 s=24
